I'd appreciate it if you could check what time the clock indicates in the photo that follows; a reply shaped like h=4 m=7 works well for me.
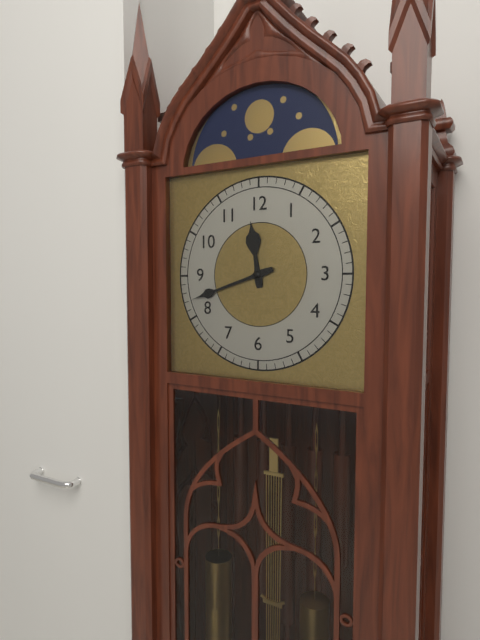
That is h=11 m=42
